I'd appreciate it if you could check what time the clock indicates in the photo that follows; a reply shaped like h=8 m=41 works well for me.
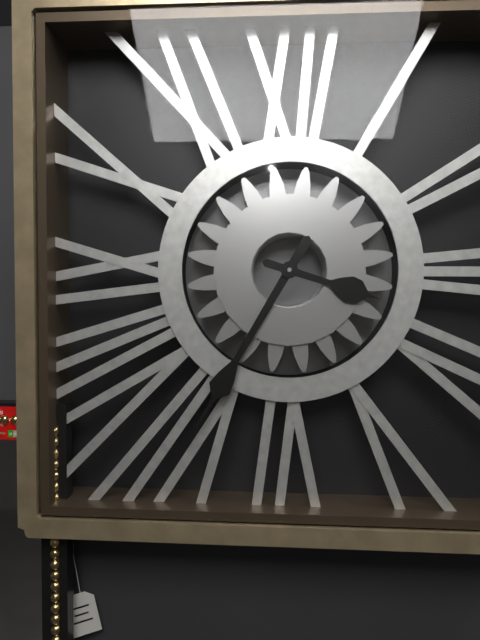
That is h=3 m=35
